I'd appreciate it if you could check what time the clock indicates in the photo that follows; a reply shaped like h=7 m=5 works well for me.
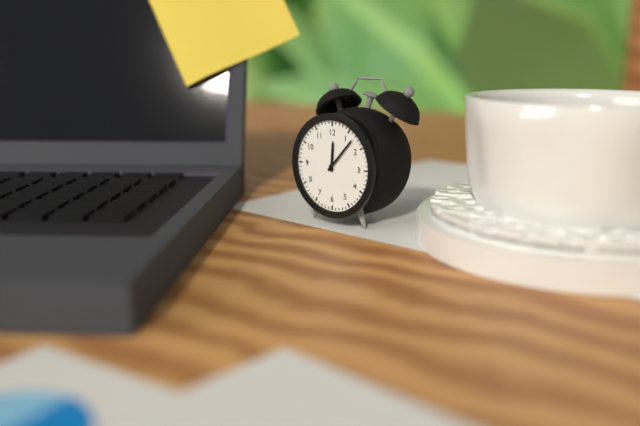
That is h=12 m=7
